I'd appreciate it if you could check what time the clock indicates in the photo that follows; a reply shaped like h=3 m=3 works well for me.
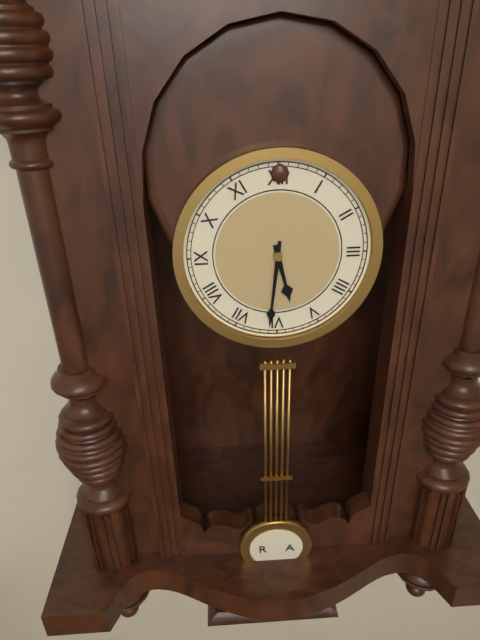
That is h=5 m=31
